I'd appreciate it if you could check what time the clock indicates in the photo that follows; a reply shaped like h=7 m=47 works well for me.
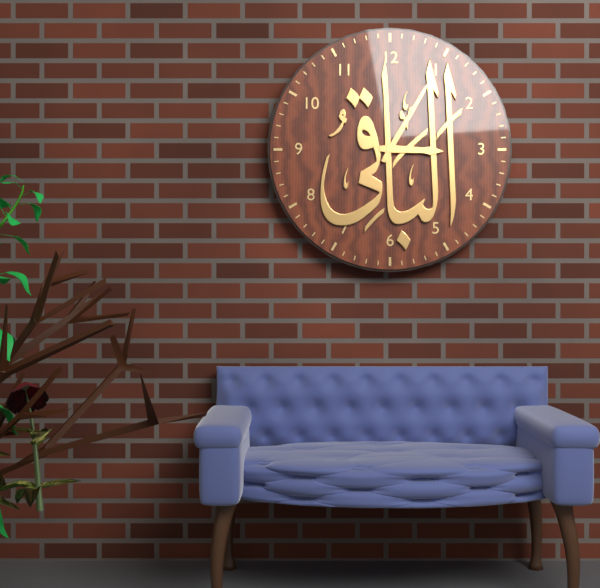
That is h=3 m=5
